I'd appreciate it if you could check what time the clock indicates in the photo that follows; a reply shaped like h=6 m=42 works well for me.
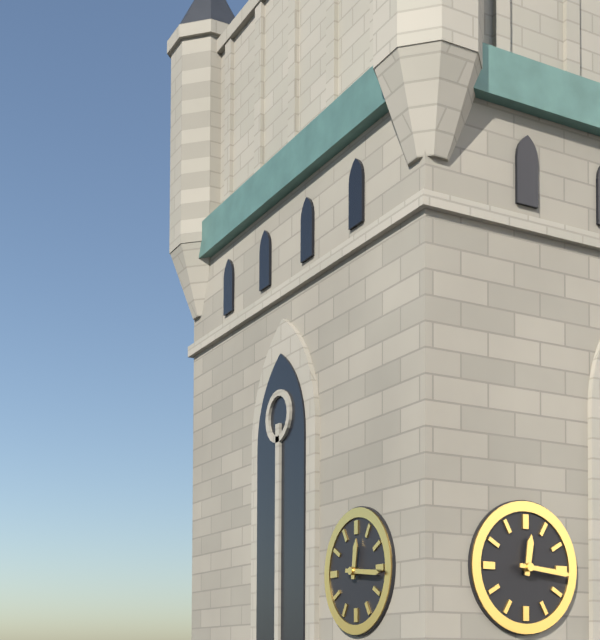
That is h=12 m=16
